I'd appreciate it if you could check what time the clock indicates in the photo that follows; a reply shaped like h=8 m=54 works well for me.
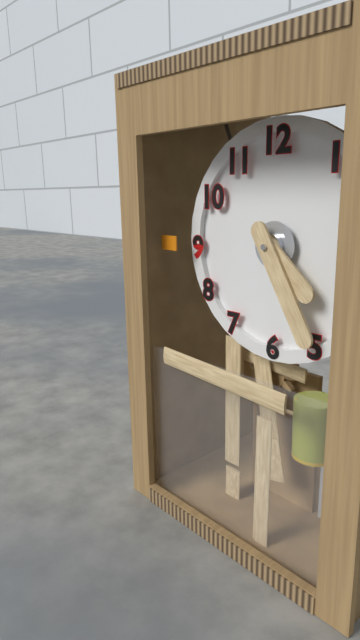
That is h=4 m=25
